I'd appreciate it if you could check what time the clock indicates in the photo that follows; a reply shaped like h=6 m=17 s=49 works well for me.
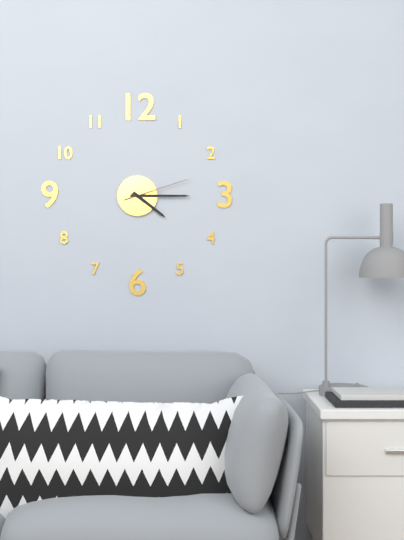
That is h=4 m=15 s=12
